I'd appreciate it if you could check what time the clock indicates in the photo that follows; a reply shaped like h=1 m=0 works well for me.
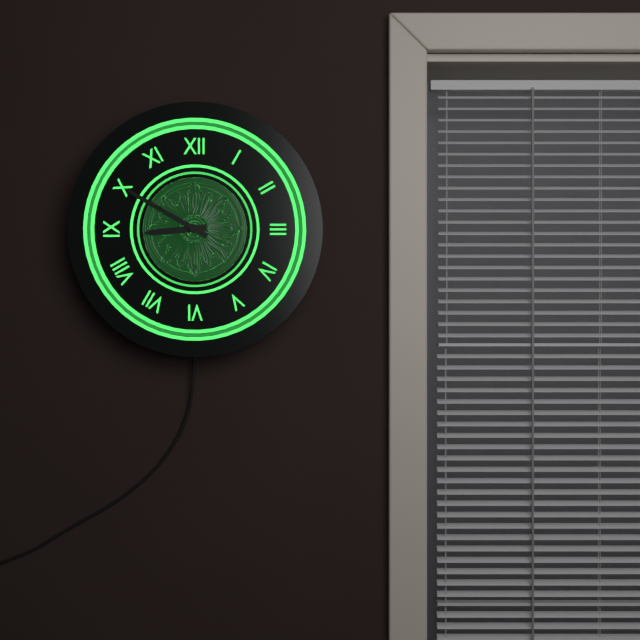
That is h=8 m=50
